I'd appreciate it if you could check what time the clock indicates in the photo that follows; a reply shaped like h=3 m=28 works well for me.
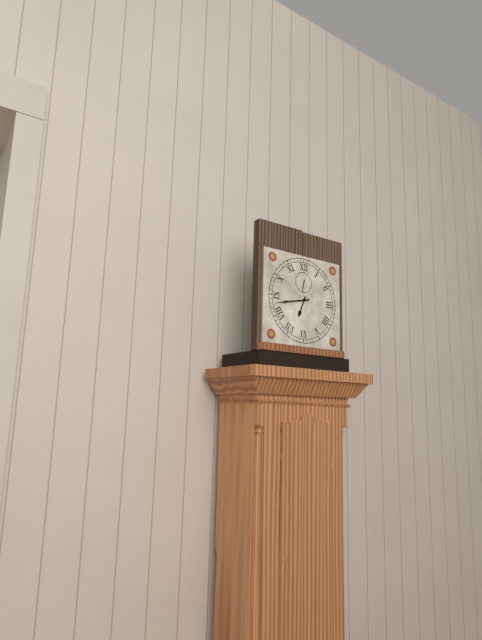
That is h=6 m=43
